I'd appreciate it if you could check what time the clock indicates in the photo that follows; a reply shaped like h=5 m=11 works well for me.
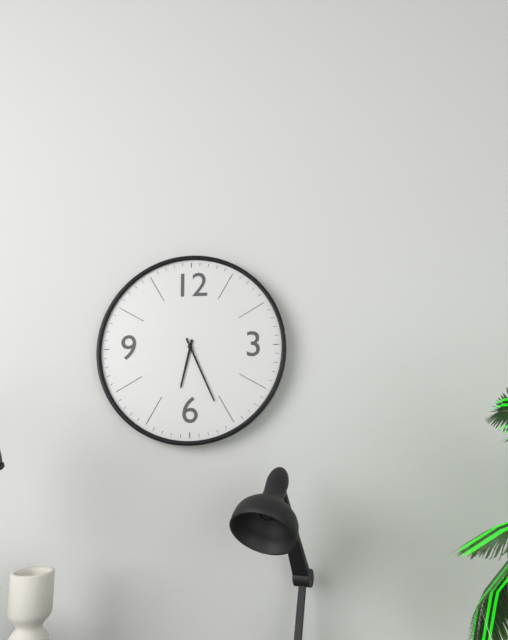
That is h=6 m=26
